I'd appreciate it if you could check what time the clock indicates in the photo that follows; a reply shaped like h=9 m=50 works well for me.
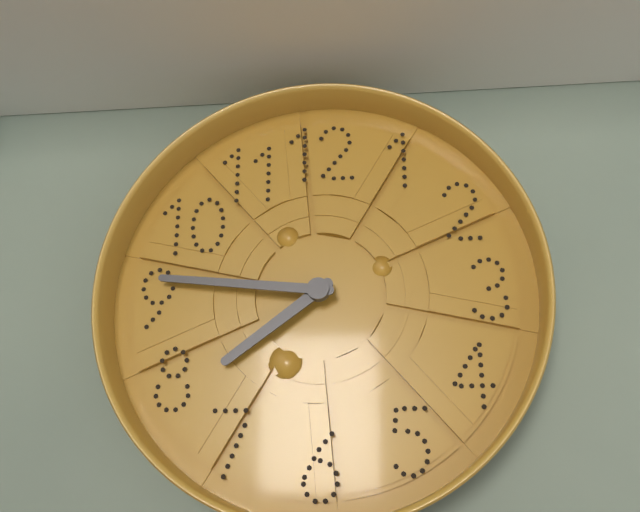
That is h=7 m=46
